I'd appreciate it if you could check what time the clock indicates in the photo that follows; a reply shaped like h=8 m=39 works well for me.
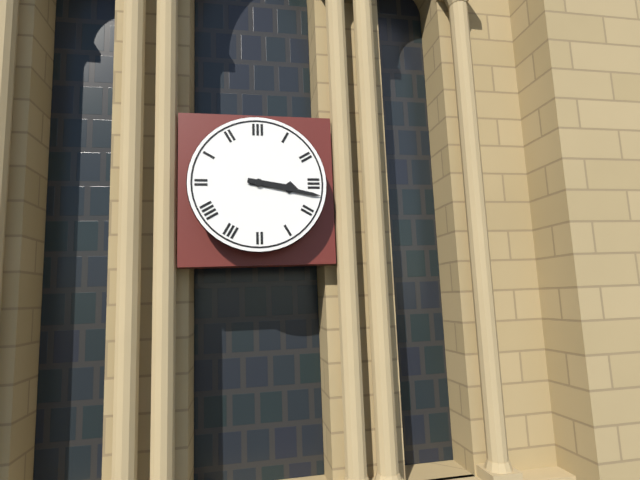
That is h=3 m=17
